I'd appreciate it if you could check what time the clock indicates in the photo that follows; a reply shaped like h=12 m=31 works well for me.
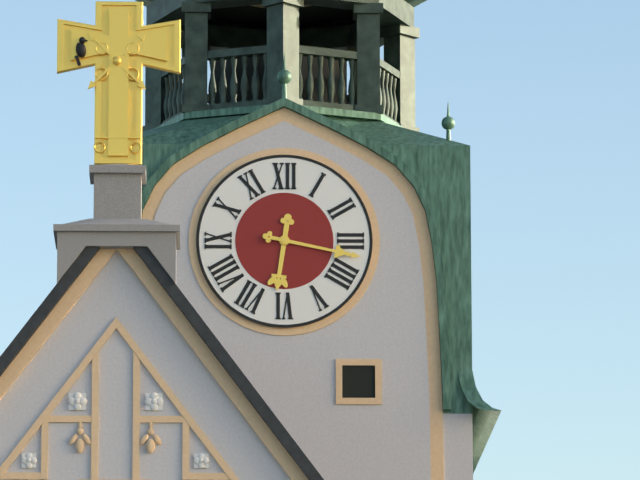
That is h=6 m=17
